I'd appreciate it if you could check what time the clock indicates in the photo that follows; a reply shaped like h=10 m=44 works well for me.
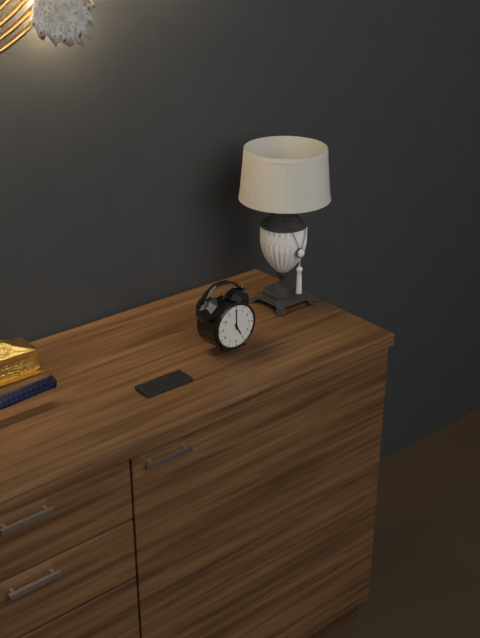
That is h=5 m=0
